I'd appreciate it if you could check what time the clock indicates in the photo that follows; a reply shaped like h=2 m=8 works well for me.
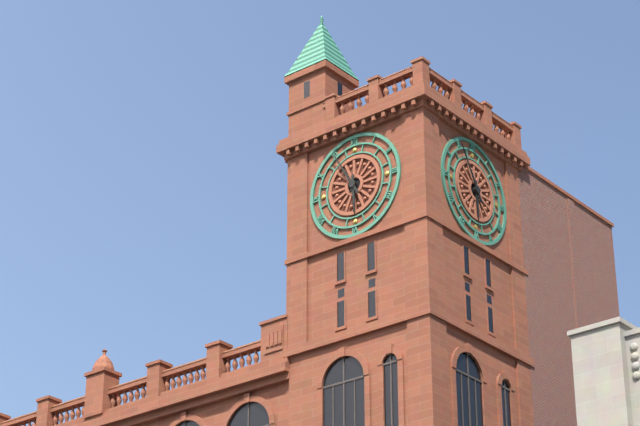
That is h=5 m=55
